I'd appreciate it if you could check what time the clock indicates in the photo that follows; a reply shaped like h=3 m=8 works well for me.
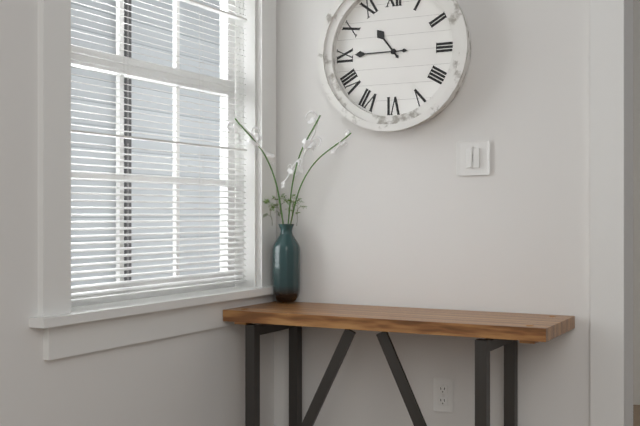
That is h=10 m=45
